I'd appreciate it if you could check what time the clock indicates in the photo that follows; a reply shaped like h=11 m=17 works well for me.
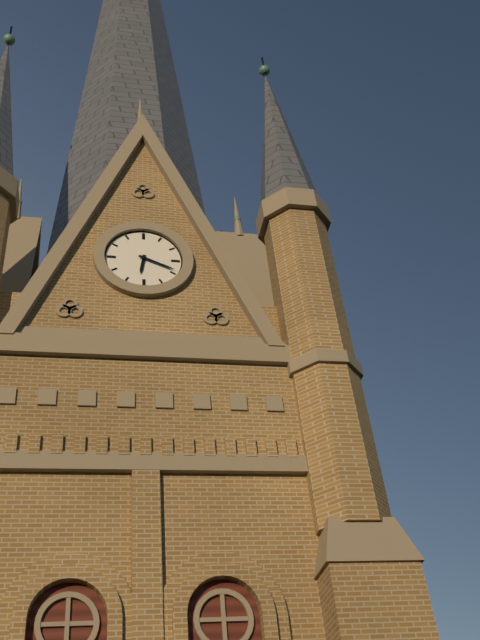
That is h=6 m=19
